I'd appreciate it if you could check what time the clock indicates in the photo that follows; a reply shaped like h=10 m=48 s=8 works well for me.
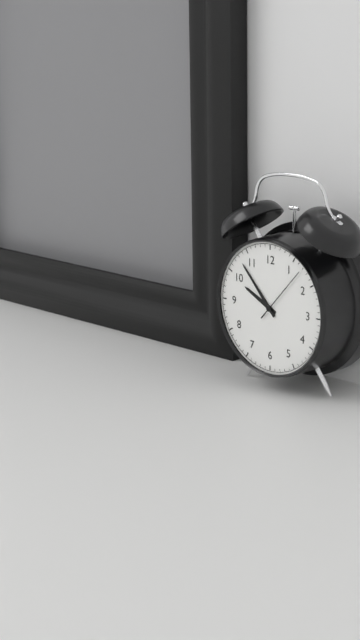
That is h=9 m=53 s=7
